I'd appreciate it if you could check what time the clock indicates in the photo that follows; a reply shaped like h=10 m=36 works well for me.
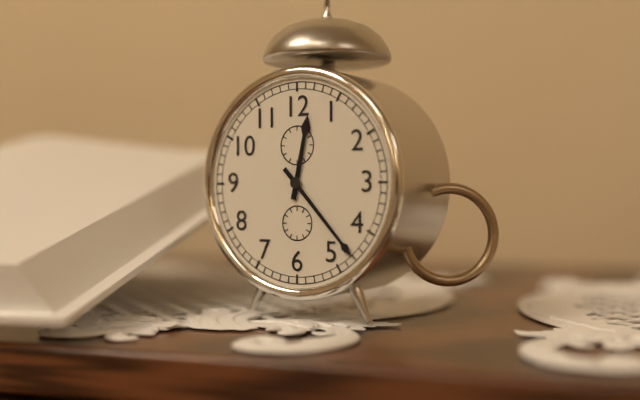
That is h=12 m=23
